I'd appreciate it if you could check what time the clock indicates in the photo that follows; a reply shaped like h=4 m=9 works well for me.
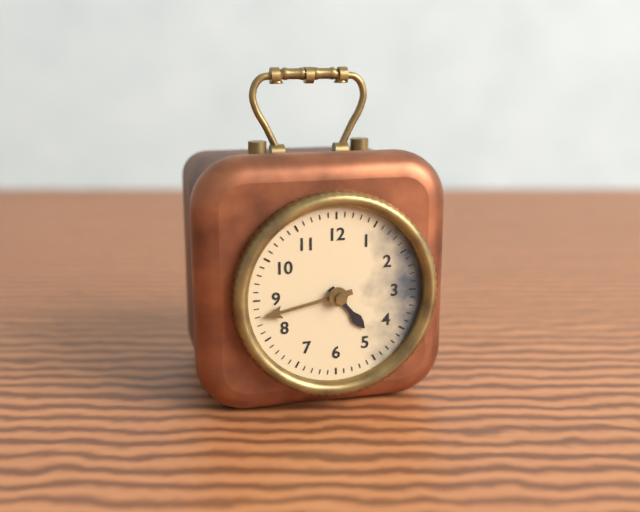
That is h=4 m=43
